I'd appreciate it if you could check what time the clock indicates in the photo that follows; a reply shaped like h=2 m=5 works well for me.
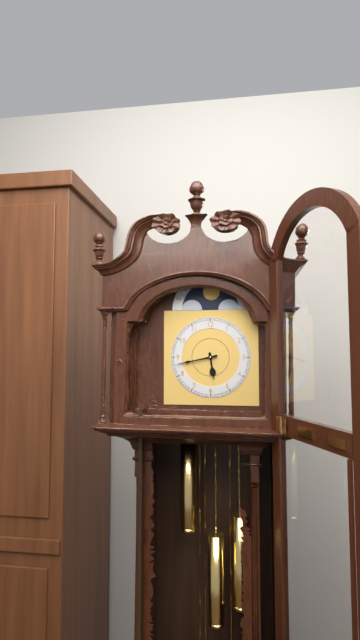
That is h=5 m=43
